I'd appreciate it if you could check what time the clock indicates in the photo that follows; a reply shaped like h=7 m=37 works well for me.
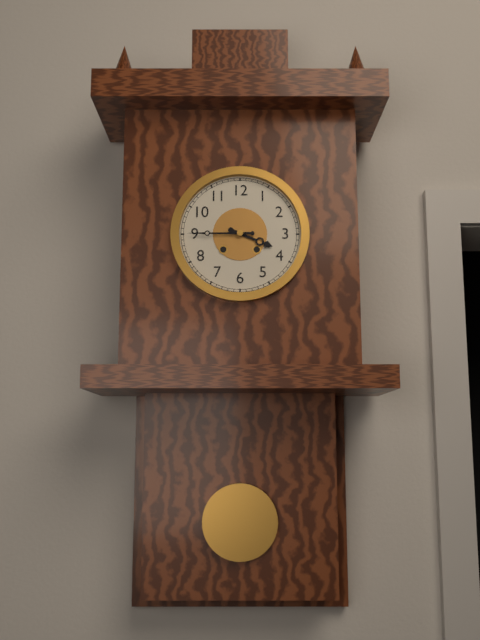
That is h=3 m=45
